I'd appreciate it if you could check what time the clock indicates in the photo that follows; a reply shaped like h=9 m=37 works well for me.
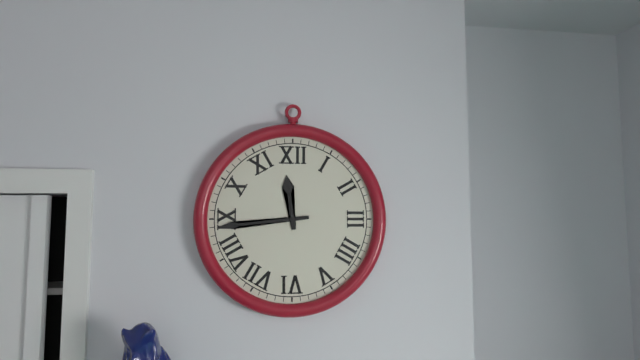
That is h=11 m=44
